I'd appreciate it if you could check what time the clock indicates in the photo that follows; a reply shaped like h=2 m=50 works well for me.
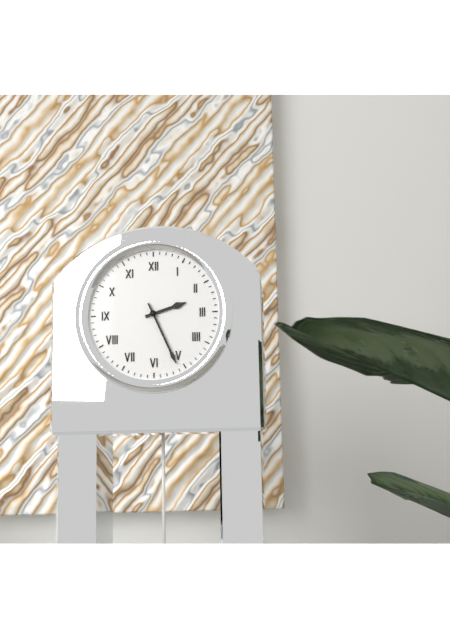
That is h=2 m=26
